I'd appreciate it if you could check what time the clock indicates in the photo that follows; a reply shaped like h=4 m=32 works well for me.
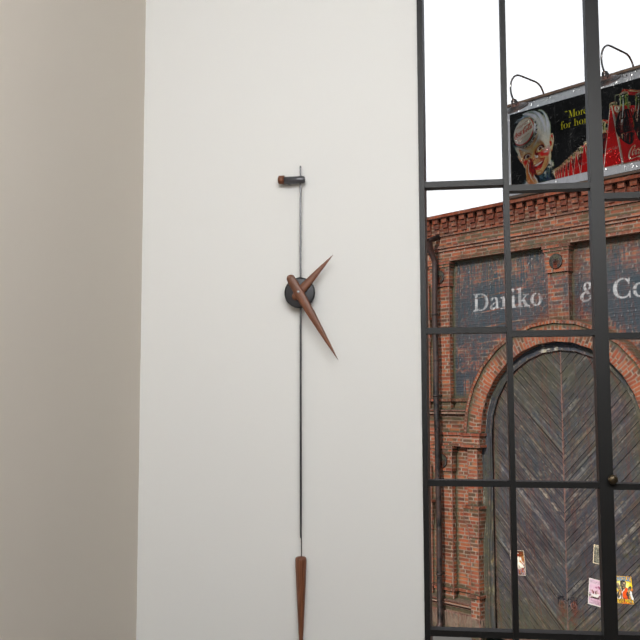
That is h=1 m=25
